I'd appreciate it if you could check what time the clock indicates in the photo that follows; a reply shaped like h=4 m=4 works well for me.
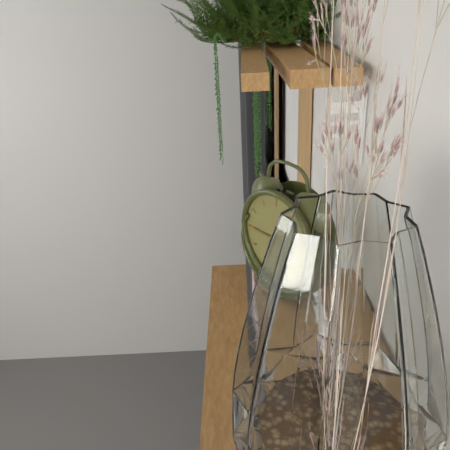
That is h=6 m=45
